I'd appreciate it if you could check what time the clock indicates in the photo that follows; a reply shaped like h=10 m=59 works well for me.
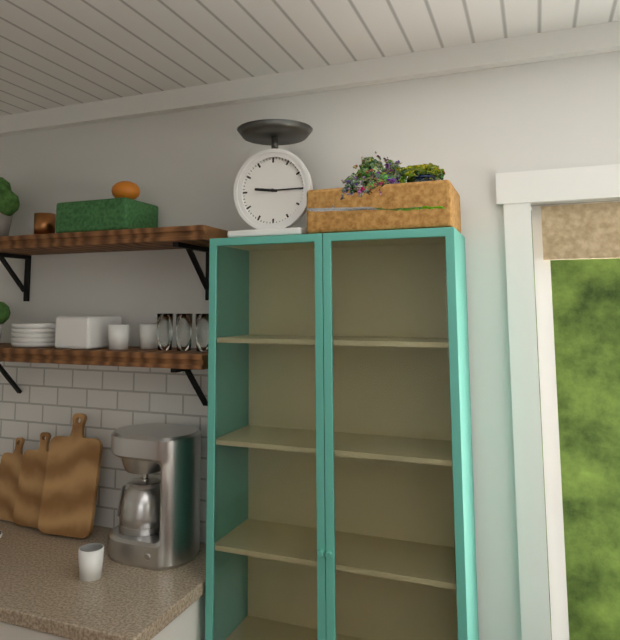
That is h=9 m=15
